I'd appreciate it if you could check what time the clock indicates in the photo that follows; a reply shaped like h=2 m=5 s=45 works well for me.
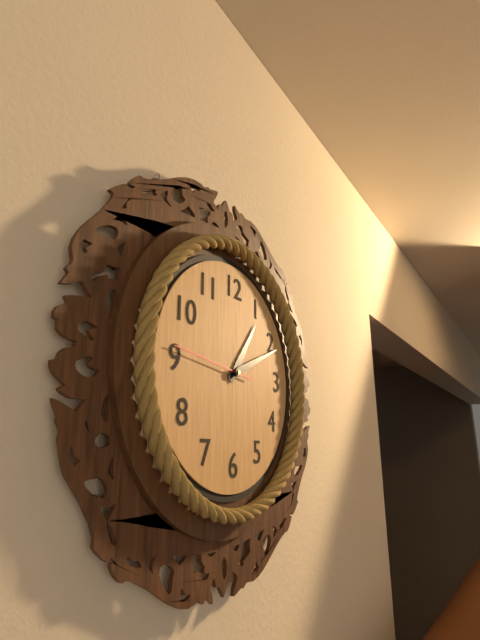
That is h=1 m=11 s=46
